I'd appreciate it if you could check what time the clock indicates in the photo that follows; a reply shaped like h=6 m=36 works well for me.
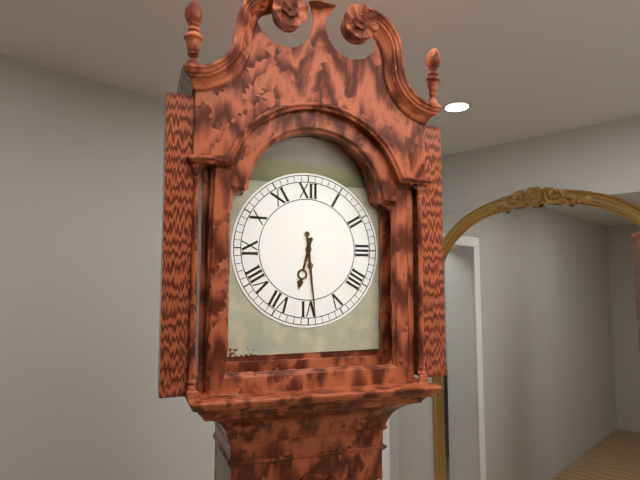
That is h=6 m=29
